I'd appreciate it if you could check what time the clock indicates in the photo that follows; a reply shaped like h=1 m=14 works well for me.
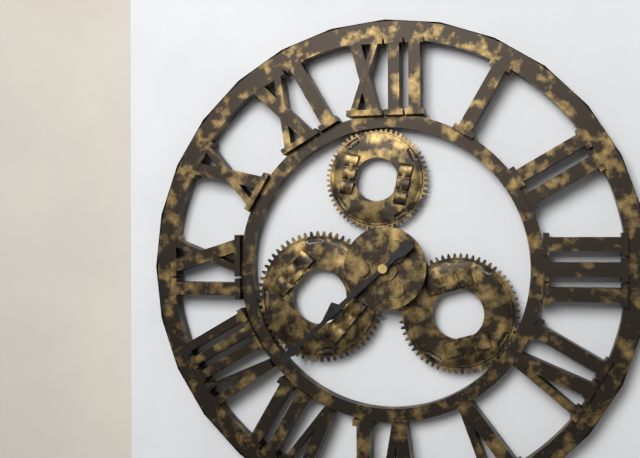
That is h=7 m=38
